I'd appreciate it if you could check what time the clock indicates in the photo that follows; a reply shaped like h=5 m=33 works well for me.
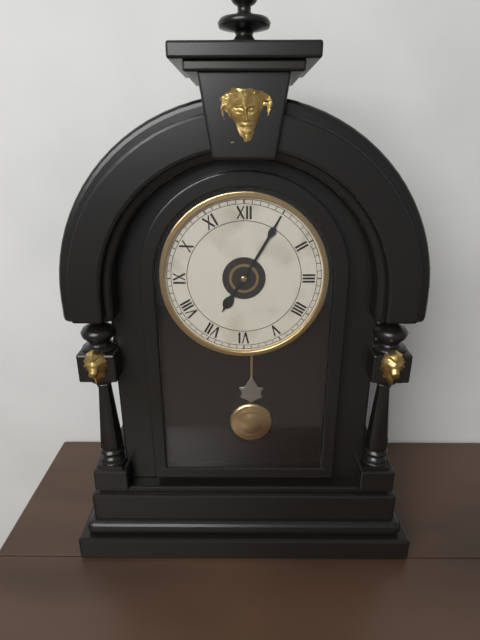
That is h=7 m=5
